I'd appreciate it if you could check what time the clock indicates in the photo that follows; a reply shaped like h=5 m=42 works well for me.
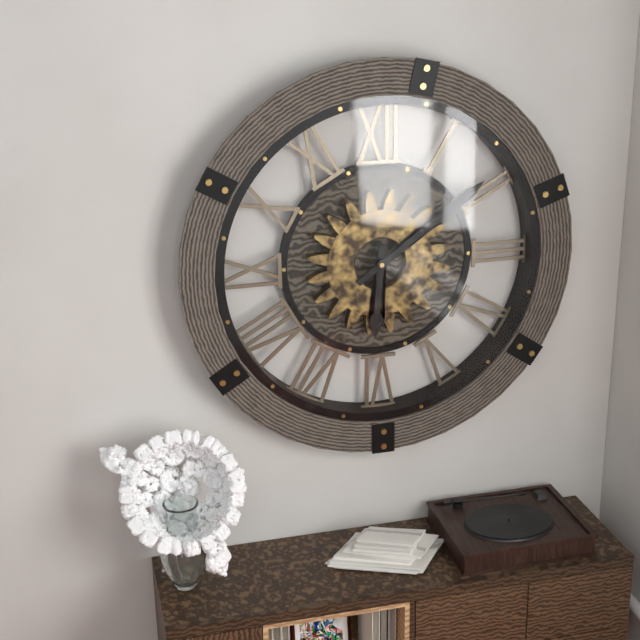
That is h=6 m=9
